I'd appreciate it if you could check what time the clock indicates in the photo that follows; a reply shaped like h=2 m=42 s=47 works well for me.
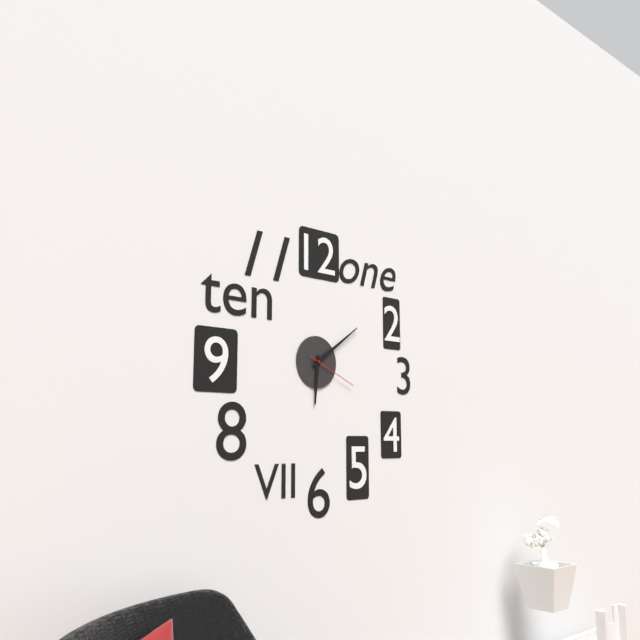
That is h=6 m=9 s=19
